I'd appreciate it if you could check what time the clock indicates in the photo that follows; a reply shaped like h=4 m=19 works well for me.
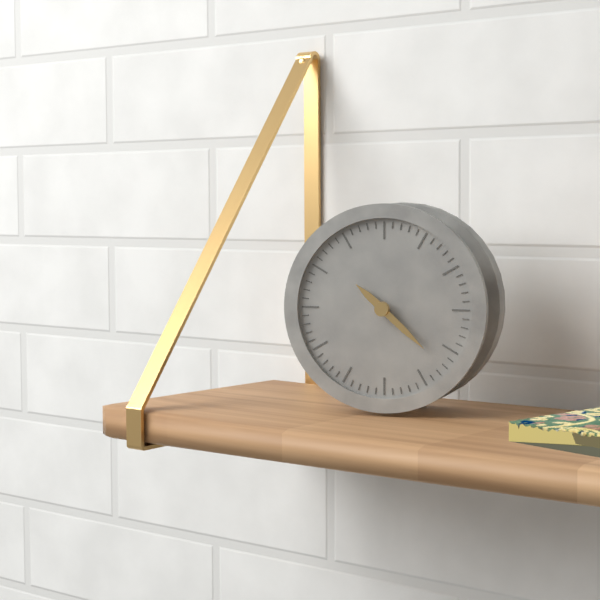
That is h=10 m=22
